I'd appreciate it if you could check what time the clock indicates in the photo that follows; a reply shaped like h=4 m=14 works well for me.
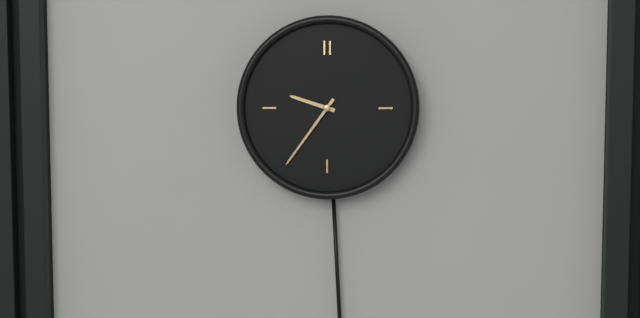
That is h=9 m=36
